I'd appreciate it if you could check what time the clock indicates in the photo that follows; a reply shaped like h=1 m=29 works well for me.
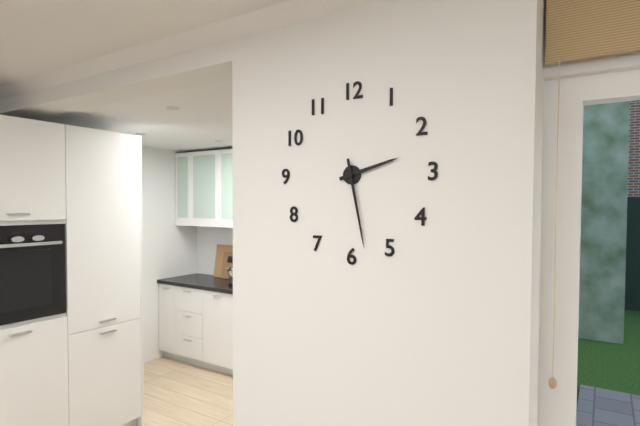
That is h=2 m=28
